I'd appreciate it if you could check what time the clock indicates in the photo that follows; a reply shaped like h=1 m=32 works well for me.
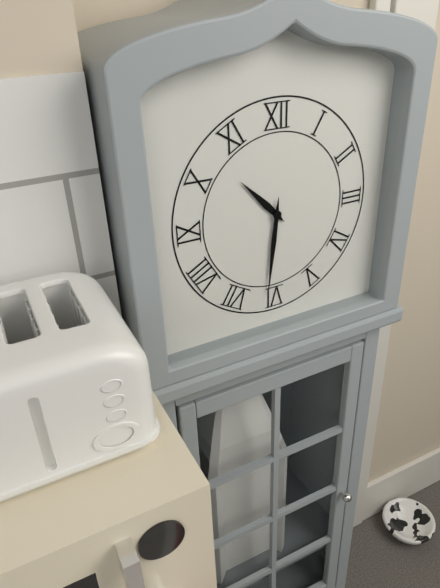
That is h=10 m=31
